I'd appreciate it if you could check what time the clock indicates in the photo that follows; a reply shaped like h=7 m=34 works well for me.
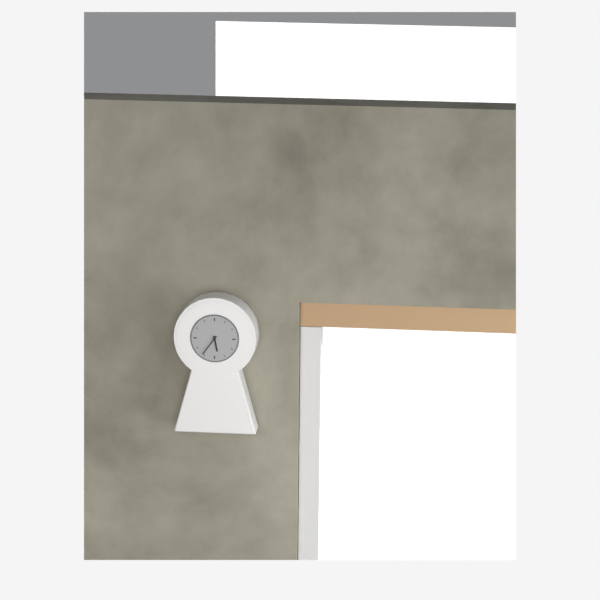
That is h=5 m=36
